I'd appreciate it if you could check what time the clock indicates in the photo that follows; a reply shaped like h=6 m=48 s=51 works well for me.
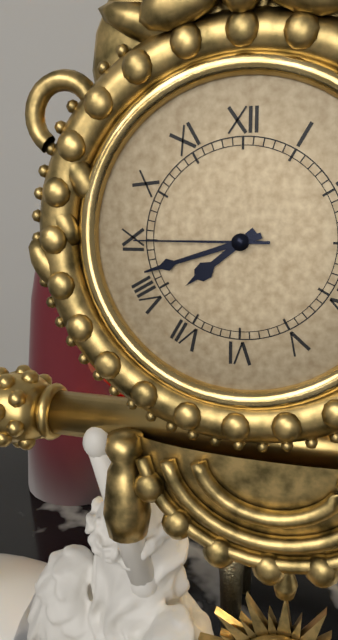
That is h=7 m=42 s=45
